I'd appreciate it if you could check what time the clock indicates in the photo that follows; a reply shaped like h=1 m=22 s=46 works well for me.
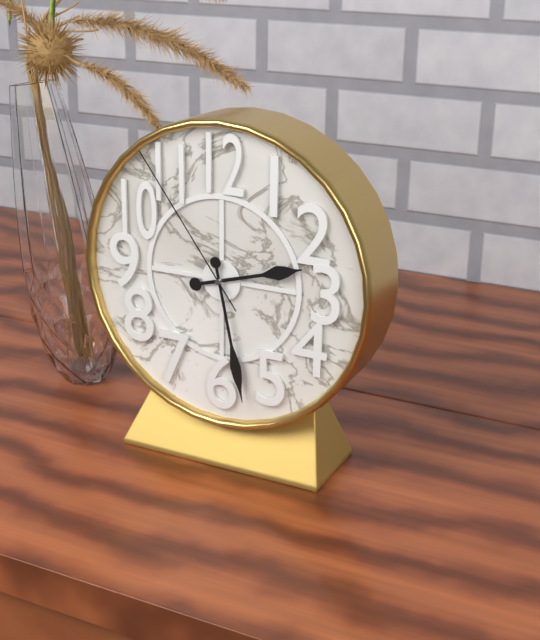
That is h=2 m=28 s=54
